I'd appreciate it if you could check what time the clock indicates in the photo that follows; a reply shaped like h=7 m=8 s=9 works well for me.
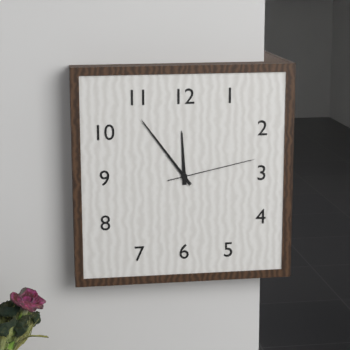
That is h=11 m=54 s=13
